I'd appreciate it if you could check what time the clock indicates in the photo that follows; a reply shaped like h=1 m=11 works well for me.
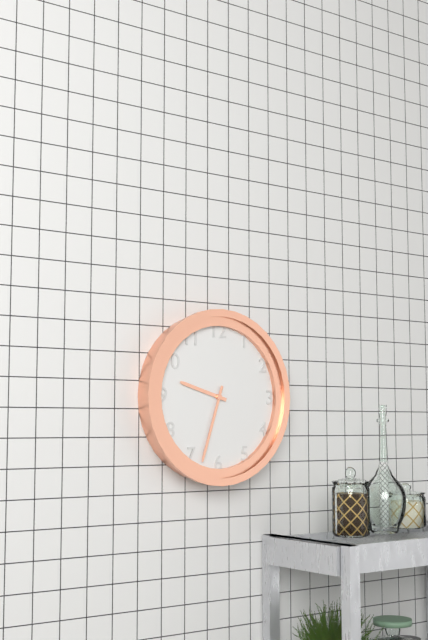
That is h=9 m=33
